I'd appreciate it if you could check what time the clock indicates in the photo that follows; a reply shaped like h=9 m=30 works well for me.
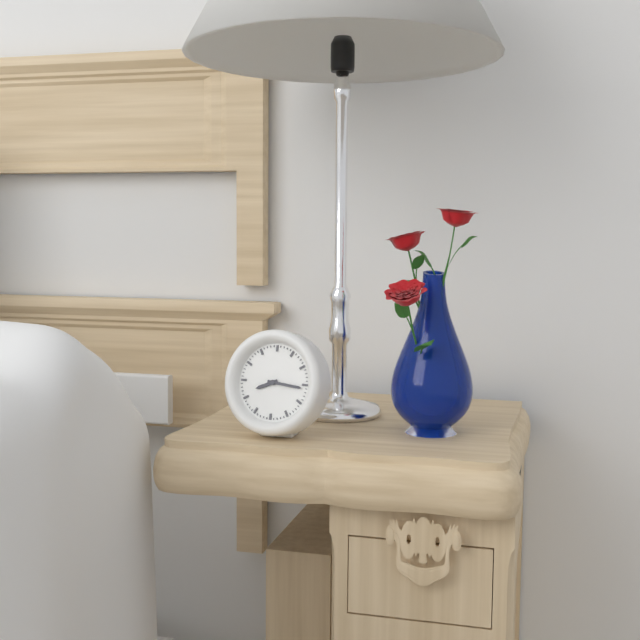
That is h=8 m=16
